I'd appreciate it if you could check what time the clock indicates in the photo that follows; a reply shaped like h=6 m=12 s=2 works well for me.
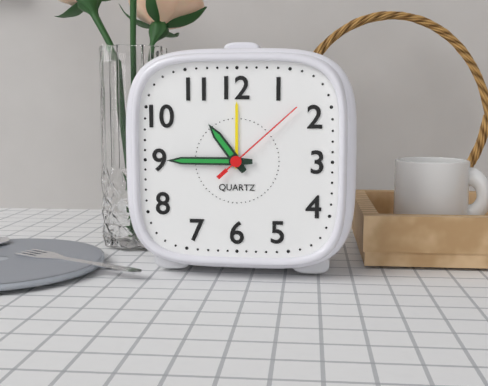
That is h=10 m=45 s=8
